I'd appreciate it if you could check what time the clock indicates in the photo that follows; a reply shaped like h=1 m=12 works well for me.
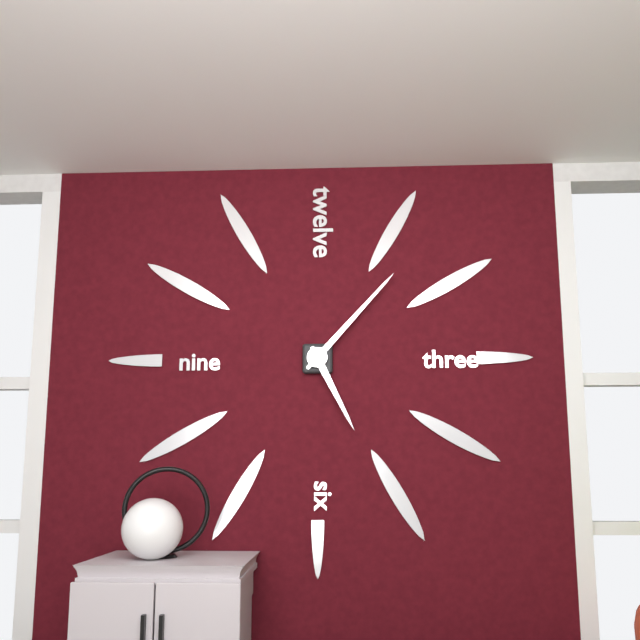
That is h=5 m=7
